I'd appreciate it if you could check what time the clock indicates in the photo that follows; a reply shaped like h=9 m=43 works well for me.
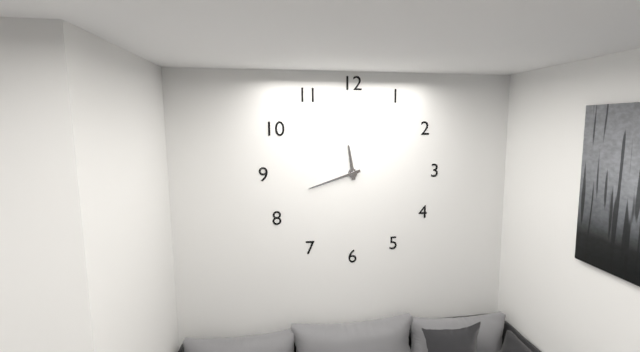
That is h=11 m=42
